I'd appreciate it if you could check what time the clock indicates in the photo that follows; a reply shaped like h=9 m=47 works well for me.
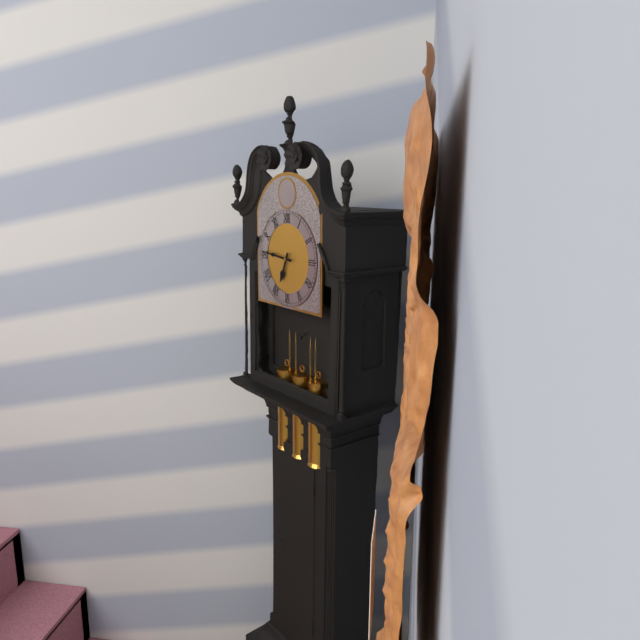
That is h=6 m=46
